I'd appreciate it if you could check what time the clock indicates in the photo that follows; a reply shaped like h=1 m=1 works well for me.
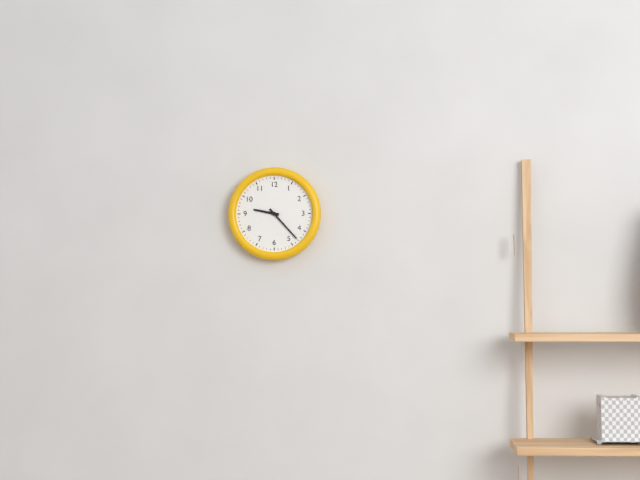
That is h=9 m=23
